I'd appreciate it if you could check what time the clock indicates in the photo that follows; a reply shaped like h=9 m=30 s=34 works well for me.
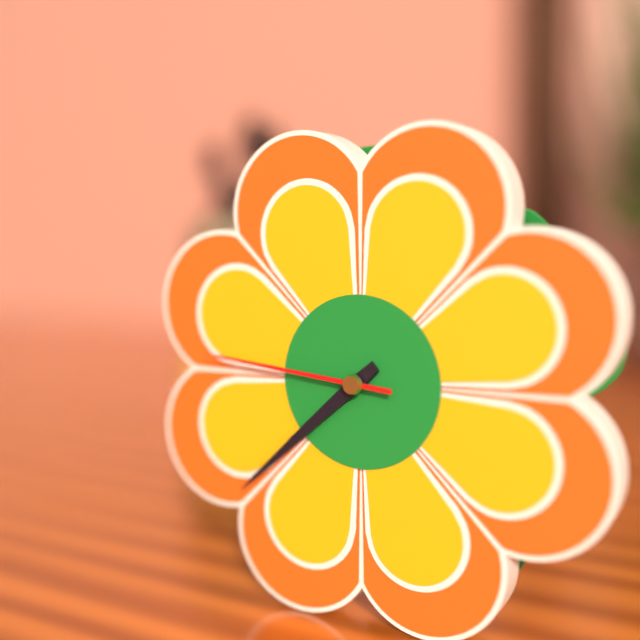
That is h=7 m=38 s=46
